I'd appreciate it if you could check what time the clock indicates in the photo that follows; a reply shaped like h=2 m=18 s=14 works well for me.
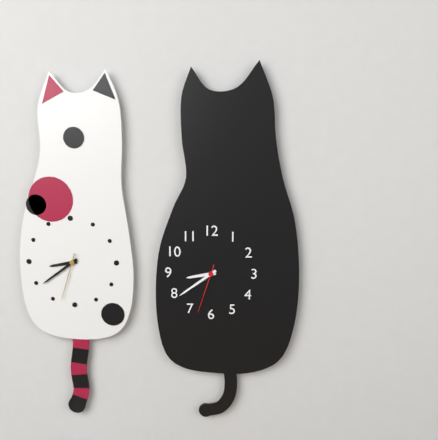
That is h=8 m=39 s=33
